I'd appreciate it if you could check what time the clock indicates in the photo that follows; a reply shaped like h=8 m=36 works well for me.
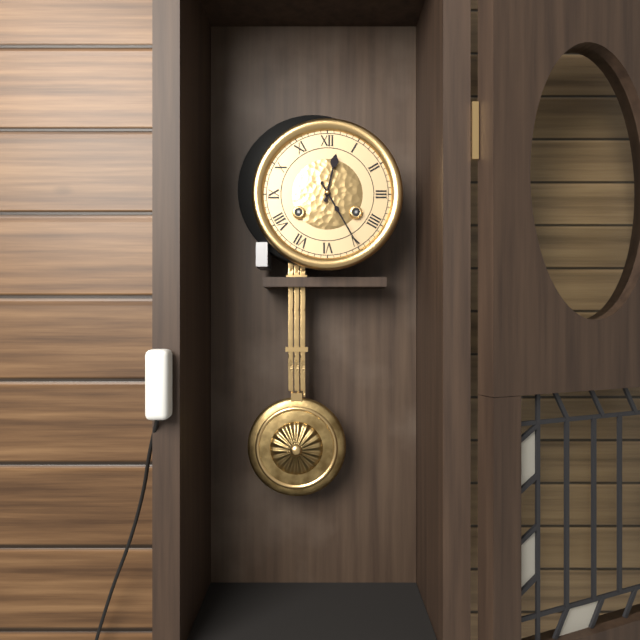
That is h=12 m=25
